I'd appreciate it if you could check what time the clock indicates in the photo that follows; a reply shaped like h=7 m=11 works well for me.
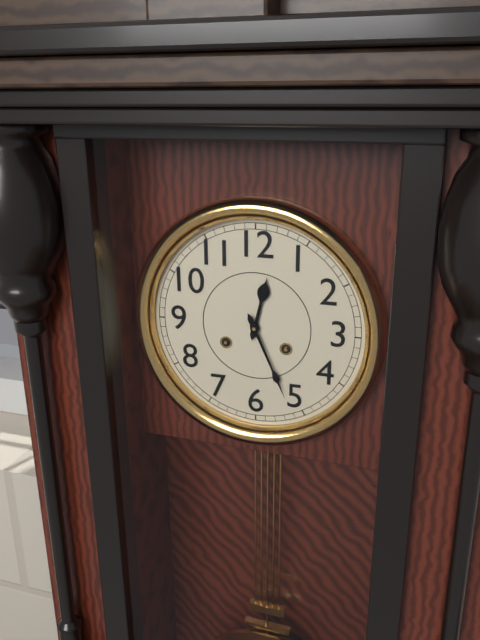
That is h=12 m=26
